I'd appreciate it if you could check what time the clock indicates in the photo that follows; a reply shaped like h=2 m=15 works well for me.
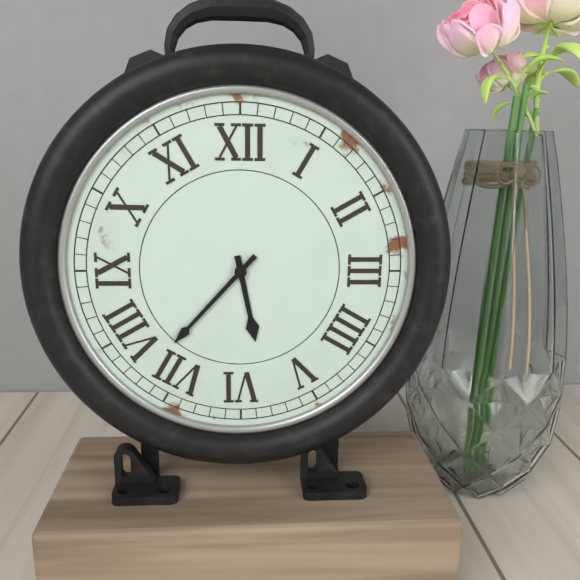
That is h=5 m=37
